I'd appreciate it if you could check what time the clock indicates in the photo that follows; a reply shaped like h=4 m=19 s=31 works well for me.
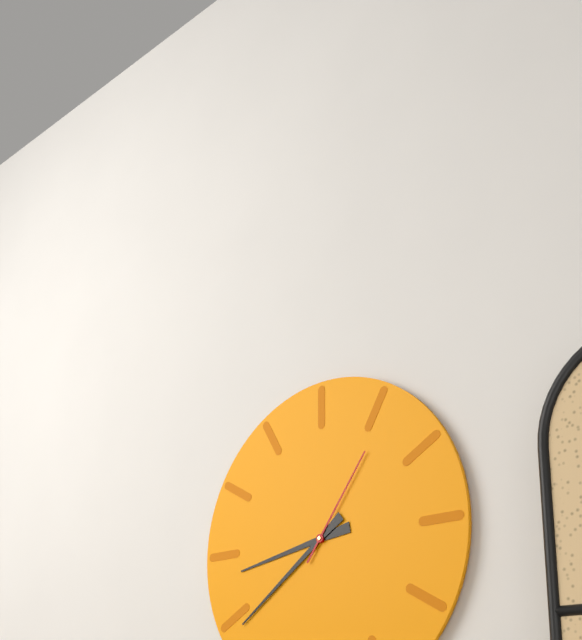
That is h=8 m=39 s=6
